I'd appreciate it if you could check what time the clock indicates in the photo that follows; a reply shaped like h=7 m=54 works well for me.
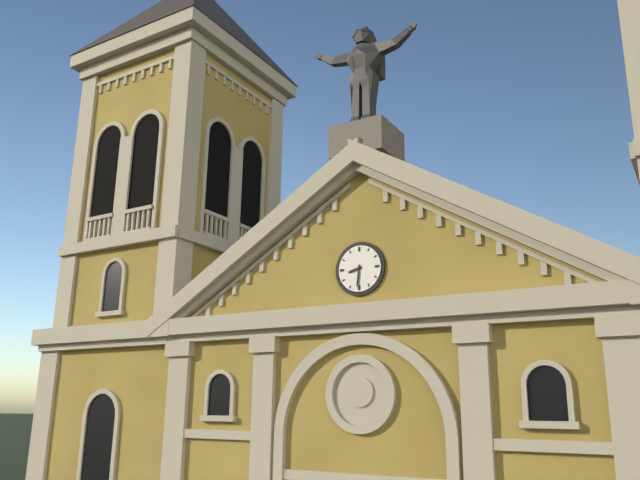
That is h=8 m=31
